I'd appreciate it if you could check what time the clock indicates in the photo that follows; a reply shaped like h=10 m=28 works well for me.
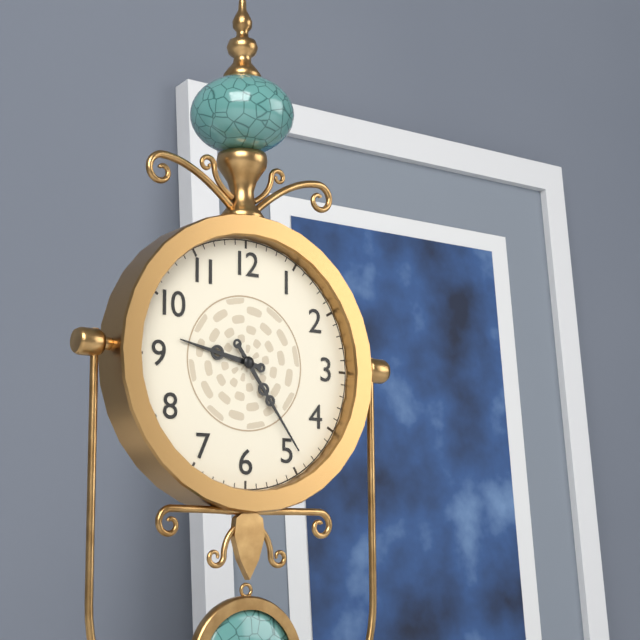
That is h=9 m=24
